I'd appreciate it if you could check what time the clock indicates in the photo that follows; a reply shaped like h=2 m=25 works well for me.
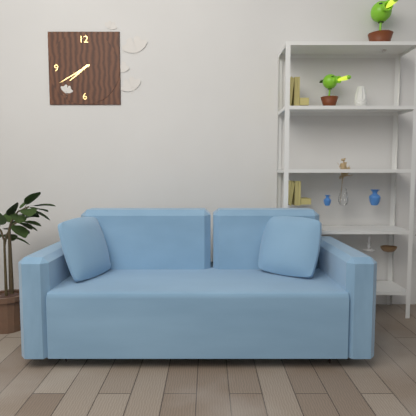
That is h=7 m=40
